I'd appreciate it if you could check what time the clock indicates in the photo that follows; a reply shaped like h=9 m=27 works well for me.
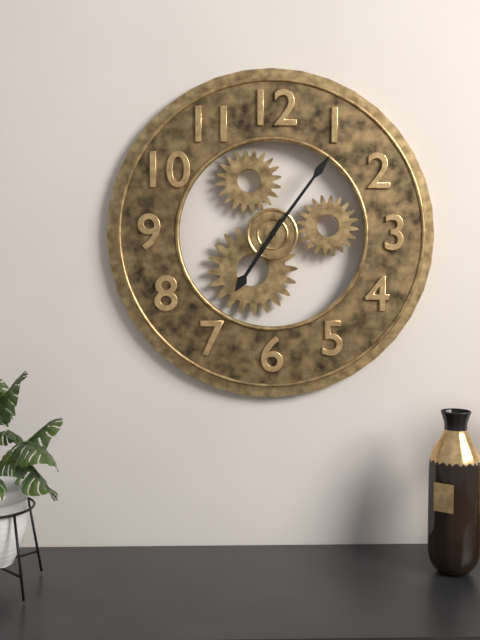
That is h=7 m=6
